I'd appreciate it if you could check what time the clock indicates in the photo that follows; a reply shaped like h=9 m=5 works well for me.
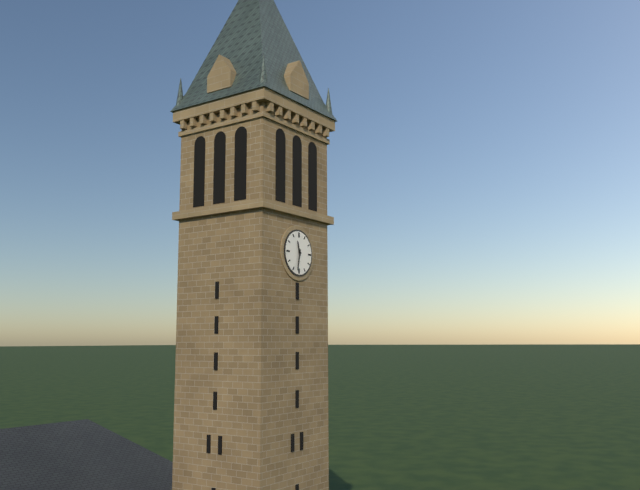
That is h=11 m=32
